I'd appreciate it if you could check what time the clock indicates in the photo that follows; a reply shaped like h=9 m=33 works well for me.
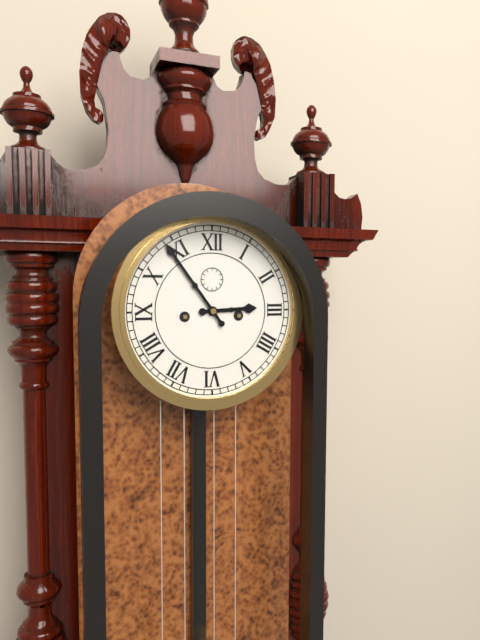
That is h=2 m=54
